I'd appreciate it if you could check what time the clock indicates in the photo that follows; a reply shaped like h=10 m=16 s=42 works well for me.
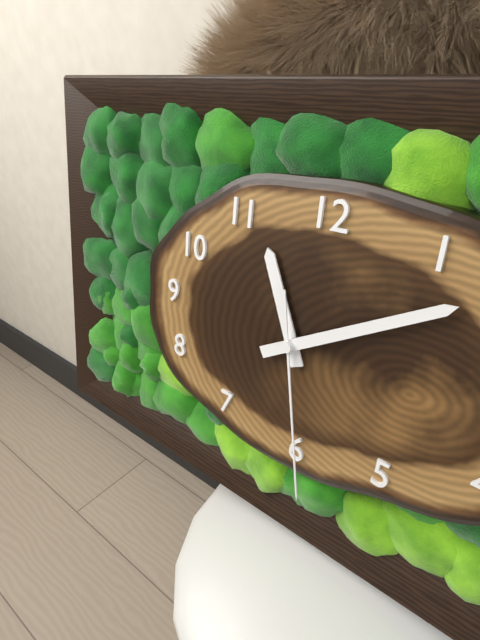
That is h=11 m=10 s=28
